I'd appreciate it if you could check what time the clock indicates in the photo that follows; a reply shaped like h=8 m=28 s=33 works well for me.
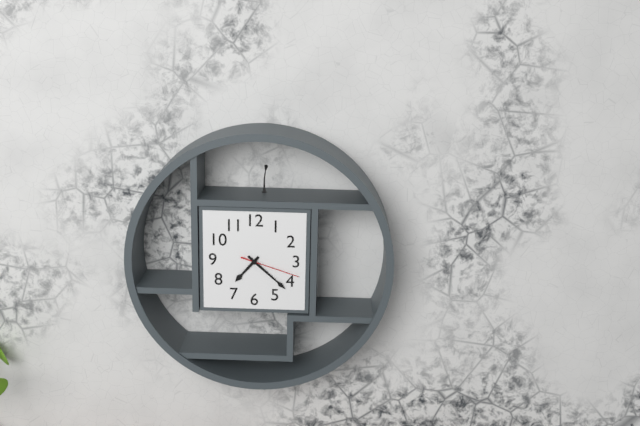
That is h=7 m=22 s=18
